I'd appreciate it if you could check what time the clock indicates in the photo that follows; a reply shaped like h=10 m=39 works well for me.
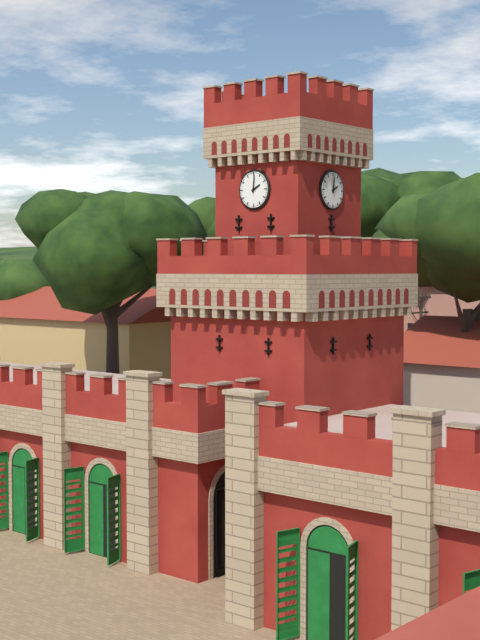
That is h=2 m=1
